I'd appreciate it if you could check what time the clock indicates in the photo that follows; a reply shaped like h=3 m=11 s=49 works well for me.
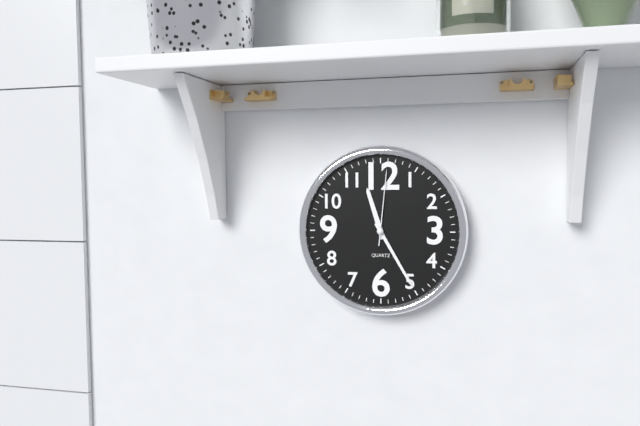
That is h=11 m=25 s=1
